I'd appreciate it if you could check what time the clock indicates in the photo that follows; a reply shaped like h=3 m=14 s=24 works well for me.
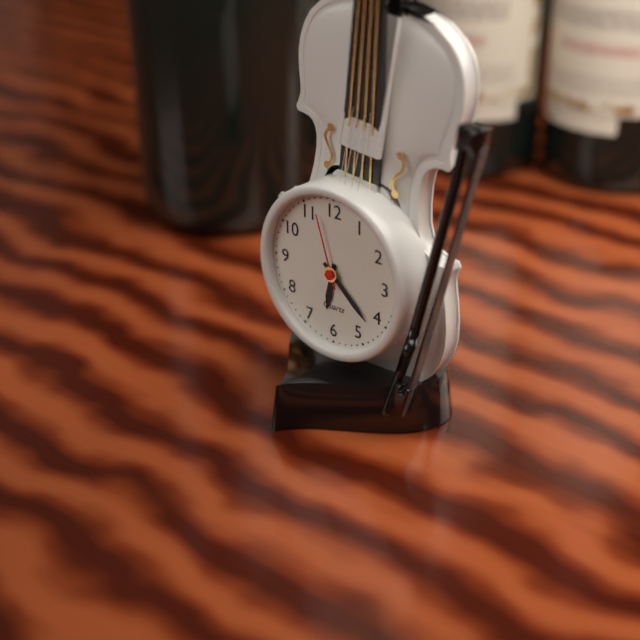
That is h=6 m=22 s=57
